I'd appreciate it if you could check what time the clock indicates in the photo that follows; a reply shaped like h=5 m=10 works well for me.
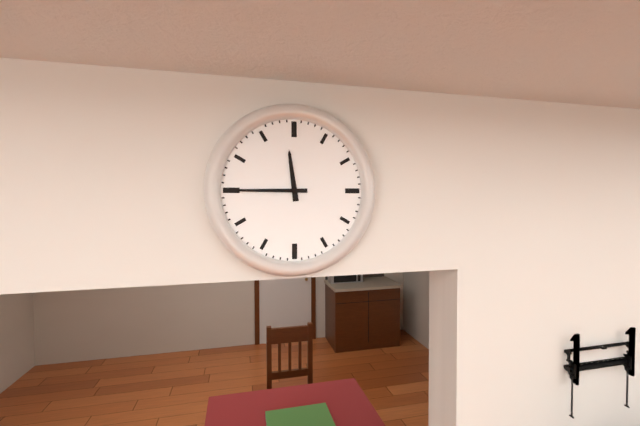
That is h=11 m=45
